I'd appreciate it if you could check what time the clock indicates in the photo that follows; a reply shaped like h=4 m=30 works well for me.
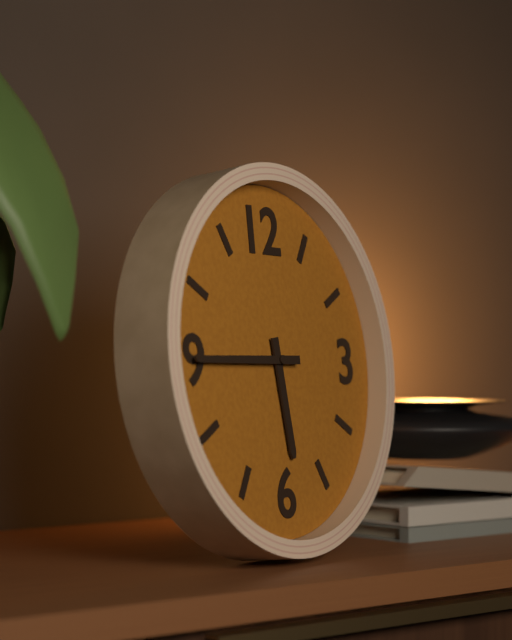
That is h=5 m=45
